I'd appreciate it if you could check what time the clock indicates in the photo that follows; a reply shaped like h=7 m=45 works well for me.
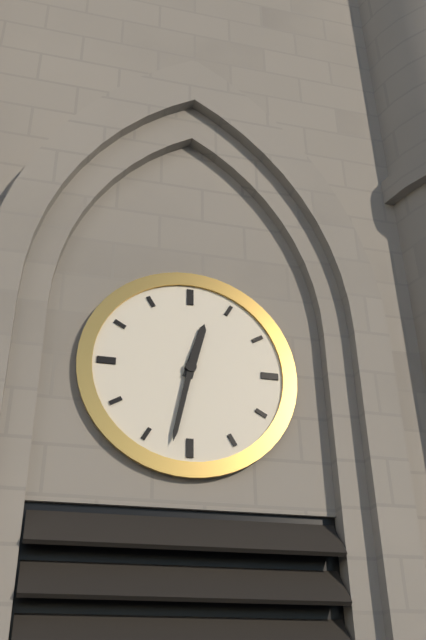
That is h=12 m=32
